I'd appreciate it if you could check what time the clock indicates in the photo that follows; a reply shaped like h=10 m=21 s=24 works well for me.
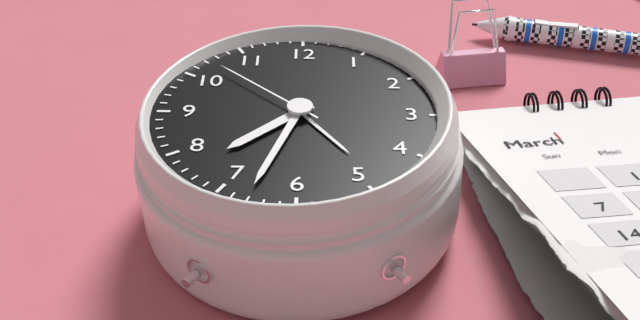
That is h=7 m=33 s=52
